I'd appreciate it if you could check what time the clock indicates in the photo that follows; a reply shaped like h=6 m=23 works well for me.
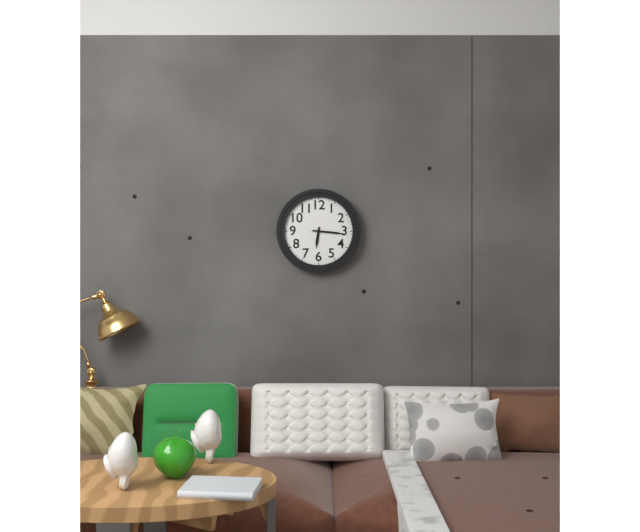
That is h=6 m=16
